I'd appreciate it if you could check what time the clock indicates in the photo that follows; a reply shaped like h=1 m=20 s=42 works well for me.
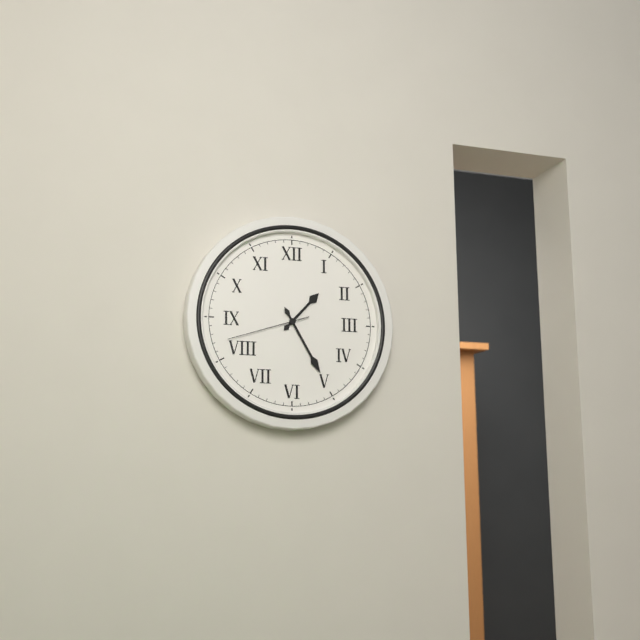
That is h=1 m=25 s=42
